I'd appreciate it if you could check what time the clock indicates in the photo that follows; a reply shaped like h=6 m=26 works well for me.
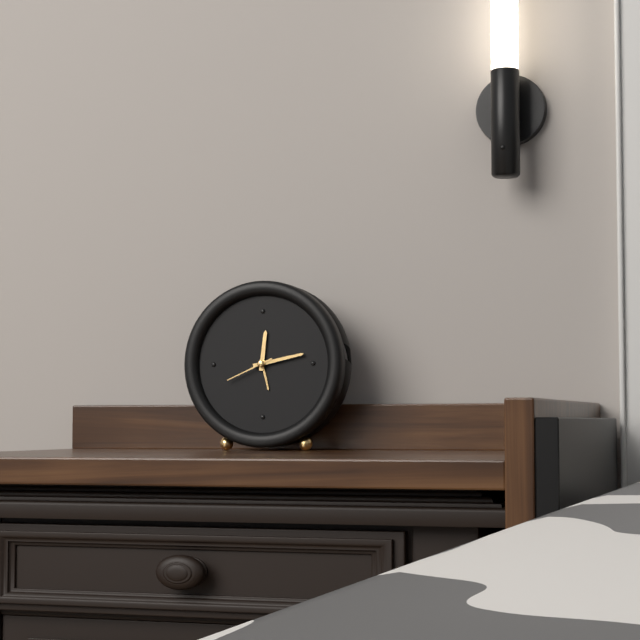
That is h=12 m=13
